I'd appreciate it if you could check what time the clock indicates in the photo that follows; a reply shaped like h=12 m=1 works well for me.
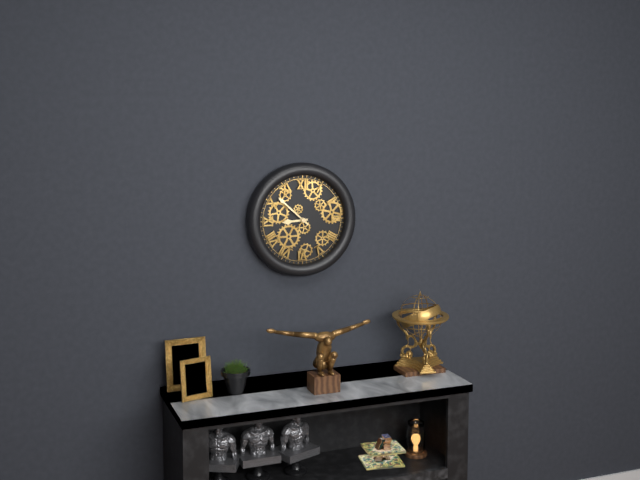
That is h=8 m=52
